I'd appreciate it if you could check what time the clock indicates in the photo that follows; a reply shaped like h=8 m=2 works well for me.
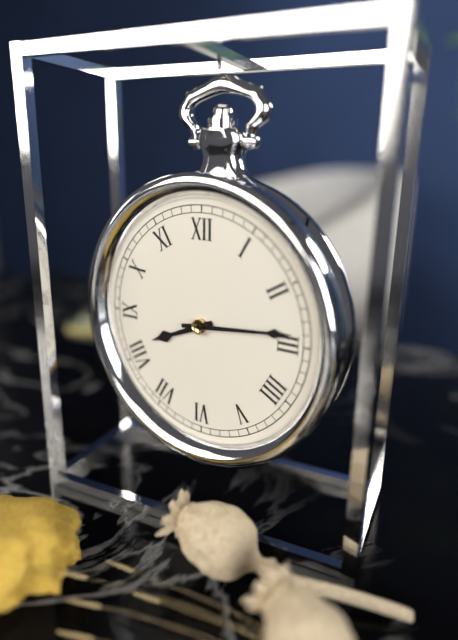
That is h=8 m=14
